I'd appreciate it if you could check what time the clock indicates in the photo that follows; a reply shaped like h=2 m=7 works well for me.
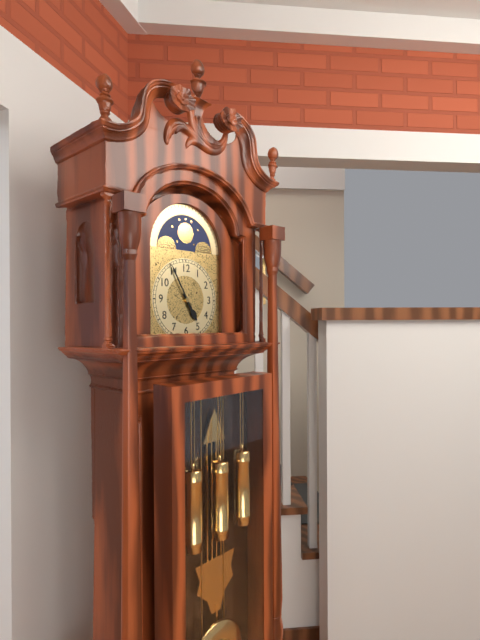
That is h=4 m=55
